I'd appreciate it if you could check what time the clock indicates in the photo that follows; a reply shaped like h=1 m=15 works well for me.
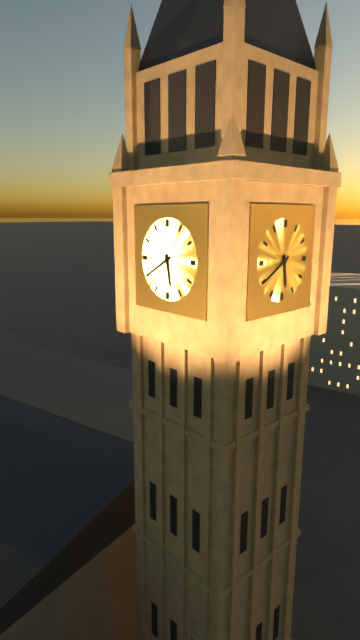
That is h=5 m=40
